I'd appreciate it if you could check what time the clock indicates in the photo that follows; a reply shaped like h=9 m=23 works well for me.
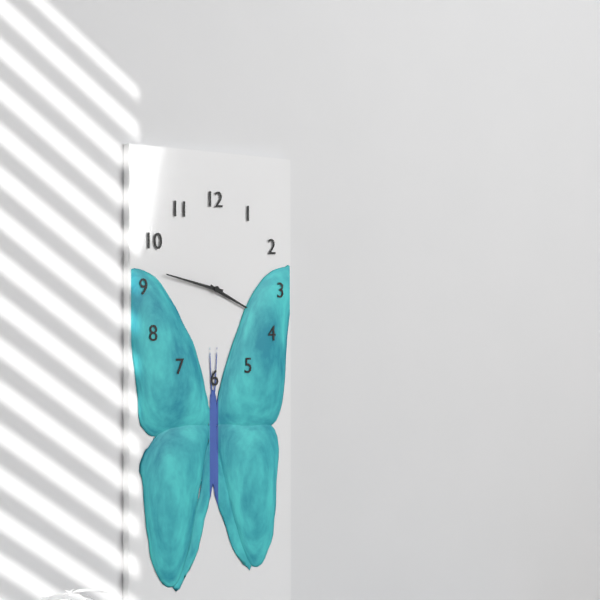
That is h=3 m=47
